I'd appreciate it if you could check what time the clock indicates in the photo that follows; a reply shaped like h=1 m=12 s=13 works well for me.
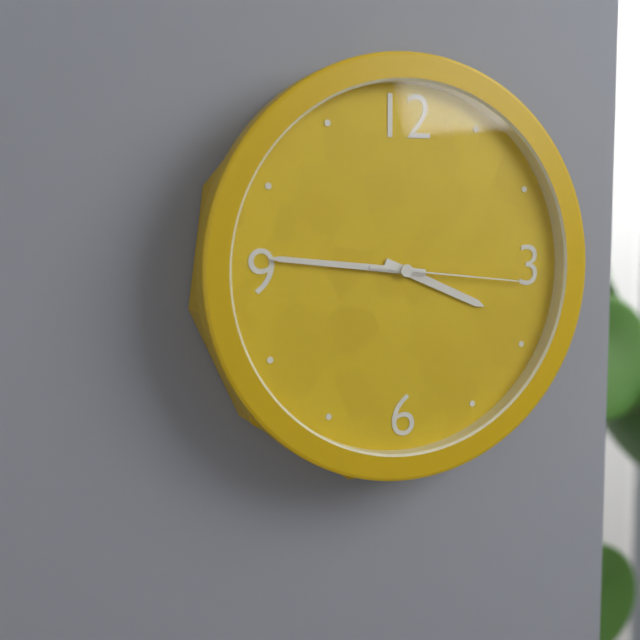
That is h=3 m=46 s=16
